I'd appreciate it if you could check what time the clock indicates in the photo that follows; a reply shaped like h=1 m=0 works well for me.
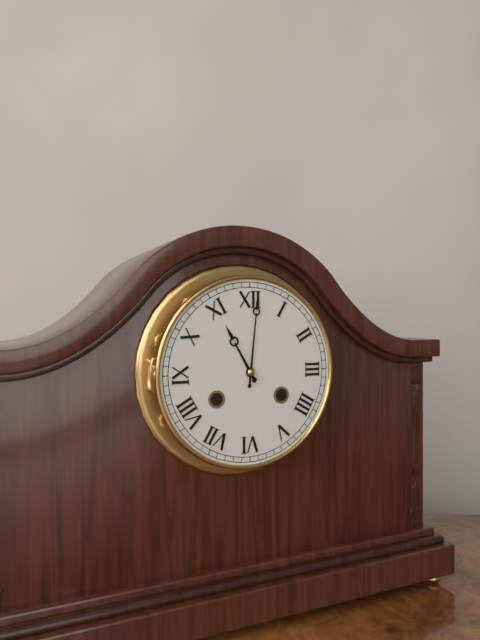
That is h=11 m=1
